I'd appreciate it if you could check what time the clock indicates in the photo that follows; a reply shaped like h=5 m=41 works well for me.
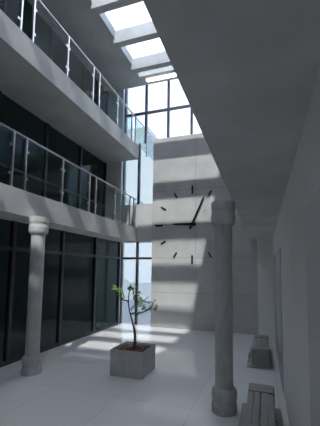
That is h=9 m=4
